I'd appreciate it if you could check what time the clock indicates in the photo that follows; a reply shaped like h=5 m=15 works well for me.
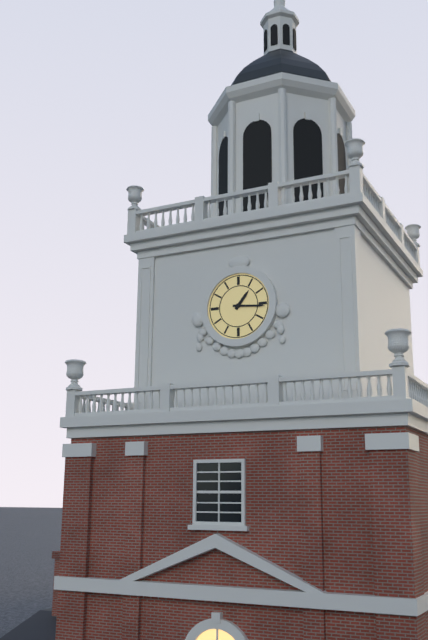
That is h=1 m=16
